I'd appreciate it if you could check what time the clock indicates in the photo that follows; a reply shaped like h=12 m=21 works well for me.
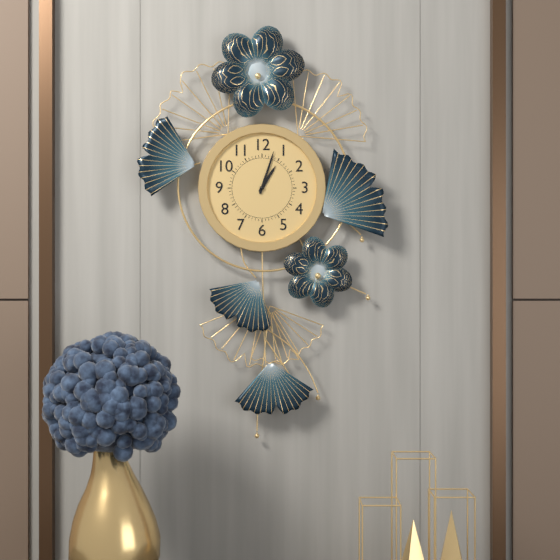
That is h=1 m=3
